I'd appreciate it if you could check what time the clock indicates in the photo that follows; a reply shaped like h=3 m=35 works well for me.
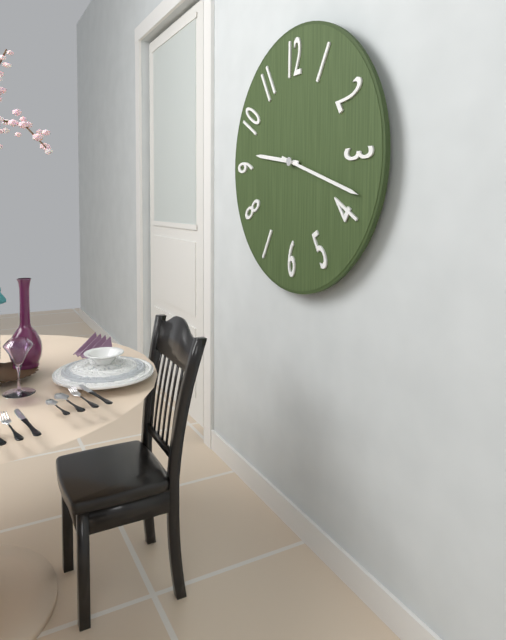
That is h=9 m=18
